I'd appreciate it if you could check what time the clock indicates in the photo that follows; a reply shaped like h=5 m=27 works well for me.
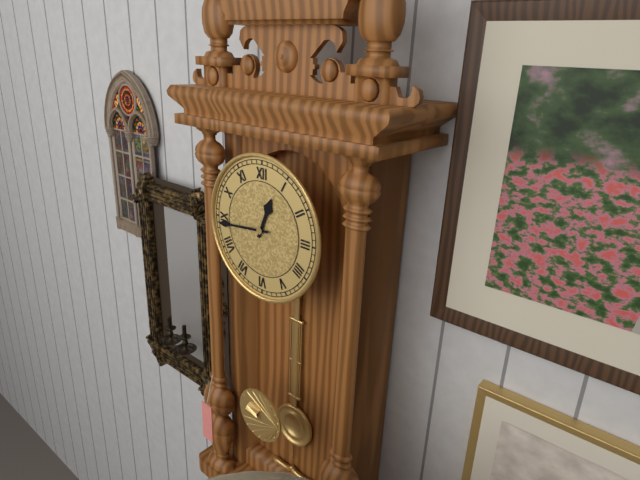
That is h=12 m=44
